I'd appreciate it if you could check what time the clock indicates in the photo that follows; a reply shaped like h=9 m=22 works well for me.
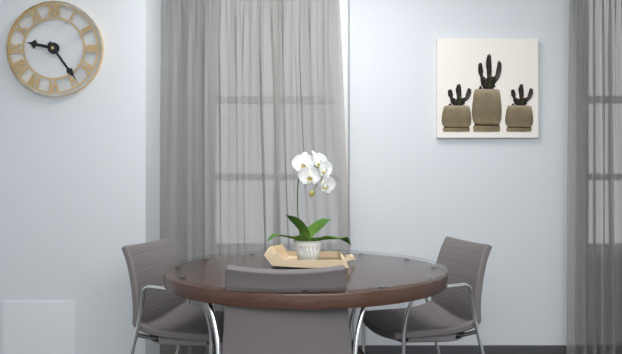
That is h=9 m=24
